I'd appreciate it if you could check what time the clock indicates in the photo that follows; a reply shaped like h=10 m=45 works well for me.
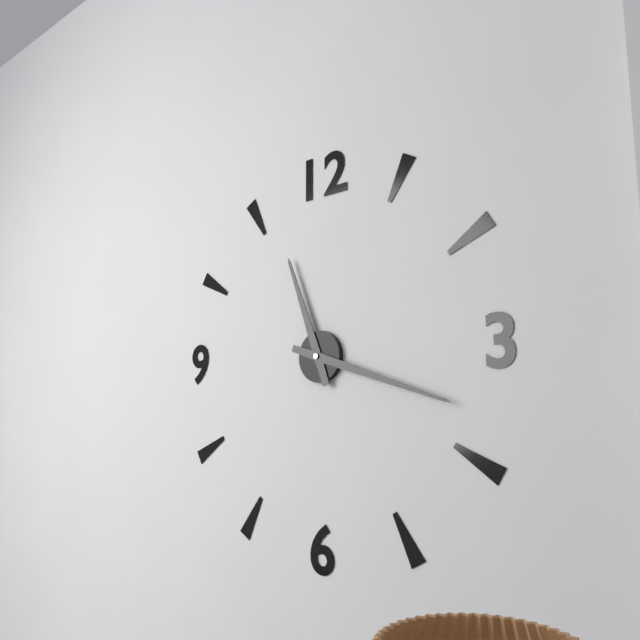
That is h=11 m=18
